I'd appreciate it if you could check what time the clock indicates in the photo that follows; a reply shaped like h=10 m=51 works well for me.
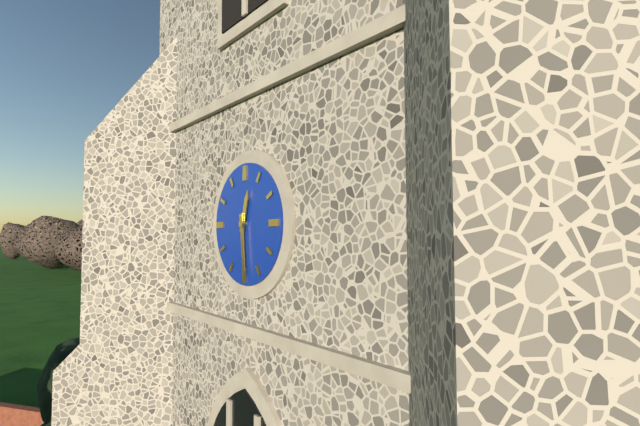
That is h=12 m=29
